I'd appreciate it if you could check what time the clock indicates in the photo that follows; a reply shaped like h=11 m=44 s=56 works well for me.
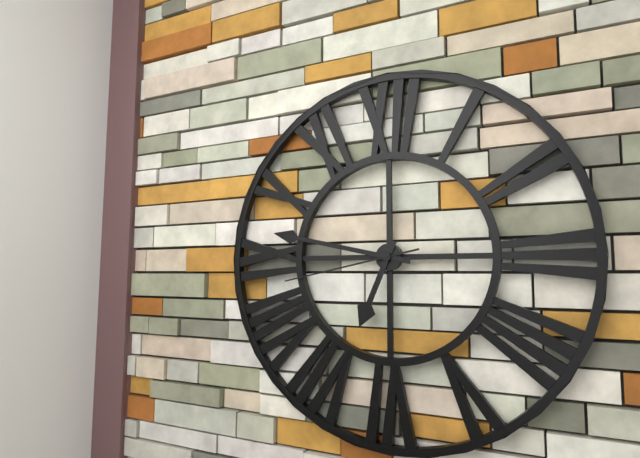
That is h=6 m=47 s=43
